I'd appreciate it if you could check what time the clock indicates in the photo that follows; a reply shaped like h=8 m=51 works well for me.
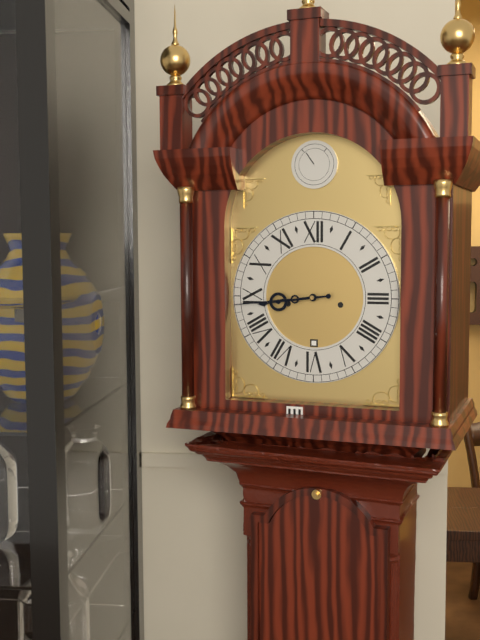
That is h=8 m=44
